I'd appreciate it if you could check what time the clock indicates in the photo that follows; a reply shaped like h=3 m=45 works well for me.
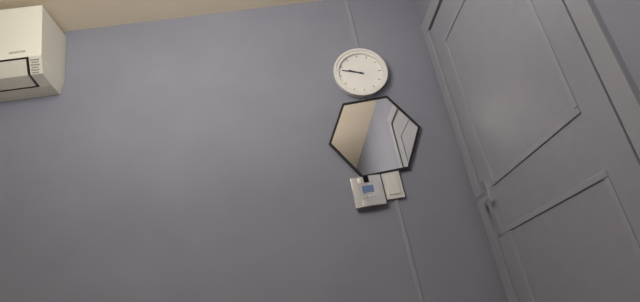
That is h=9 m=48
